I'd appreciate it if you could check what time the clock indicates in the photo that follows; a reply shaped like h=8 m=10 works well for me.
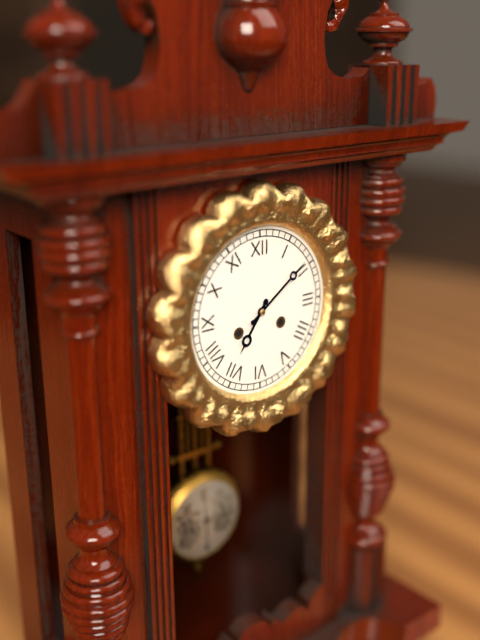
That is h=7 m=9
